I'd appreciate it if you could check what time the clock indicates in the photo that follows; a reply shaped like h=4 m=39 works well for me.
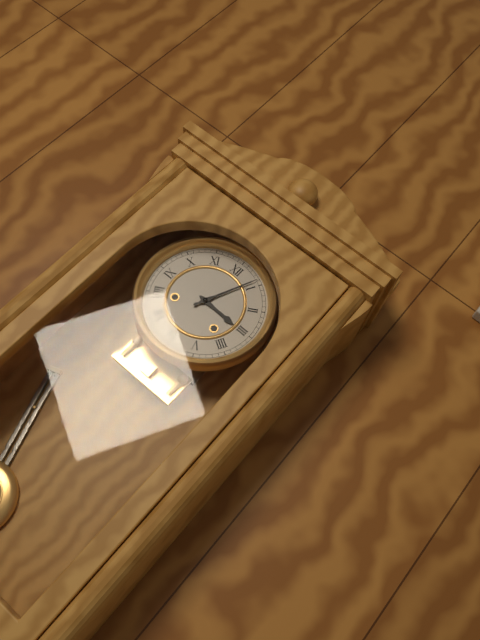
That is h=3 m=4
